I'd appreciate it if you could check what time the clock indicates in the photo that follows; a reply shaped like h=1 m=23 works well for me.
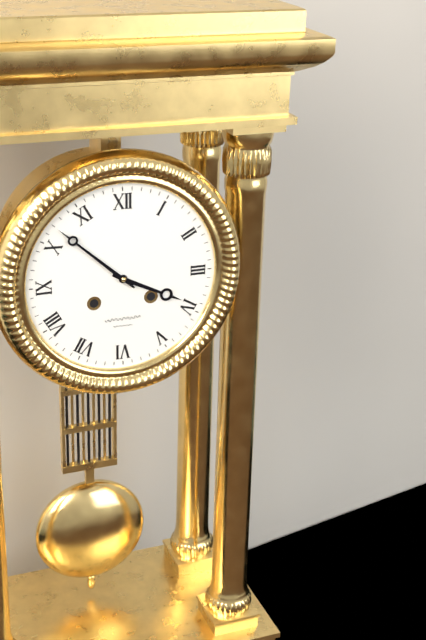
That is h=3 m=52
